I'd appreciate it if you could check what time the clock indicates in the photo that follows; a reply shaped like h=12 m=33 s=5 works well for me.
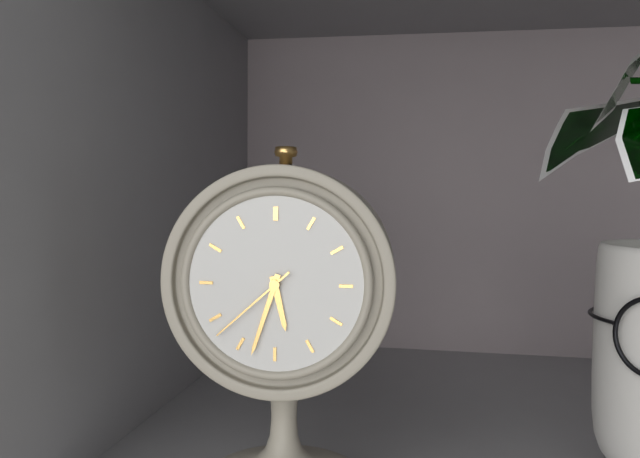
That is h=5 m=33 s=38
